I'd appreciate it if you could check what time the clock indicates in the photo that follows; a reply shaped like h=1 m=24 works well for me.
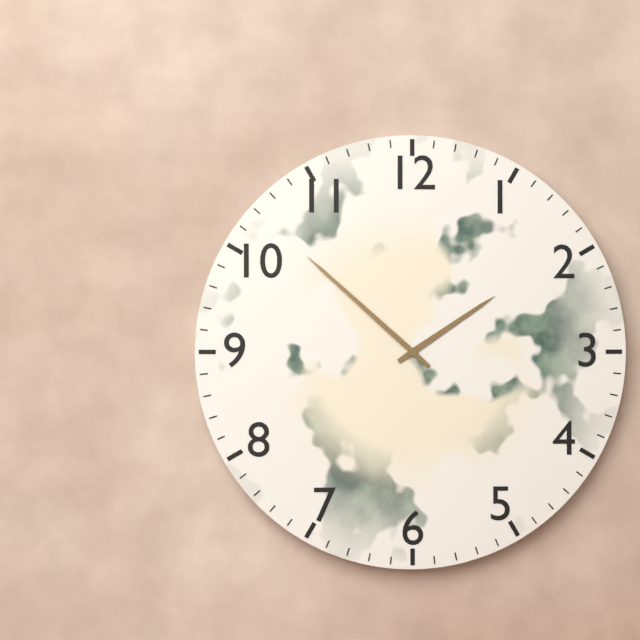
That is h=1 m=52
